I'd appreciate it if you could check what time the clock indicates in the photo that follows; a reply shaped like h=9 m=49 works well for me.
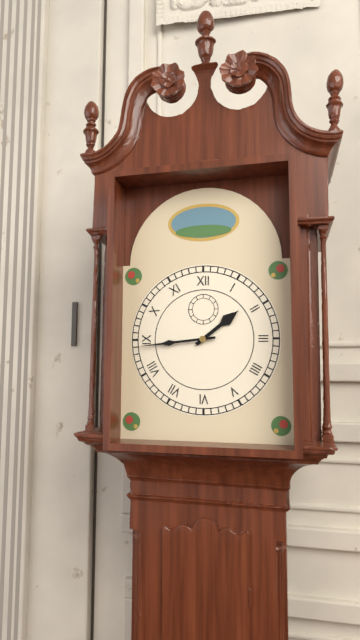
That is h=1 m=44
